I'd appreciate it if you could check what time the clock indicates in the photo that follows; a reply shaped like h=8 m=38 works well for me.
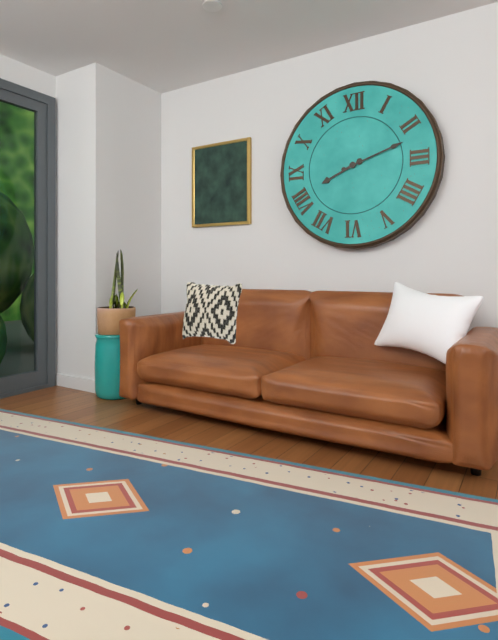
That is h=8 m=12
